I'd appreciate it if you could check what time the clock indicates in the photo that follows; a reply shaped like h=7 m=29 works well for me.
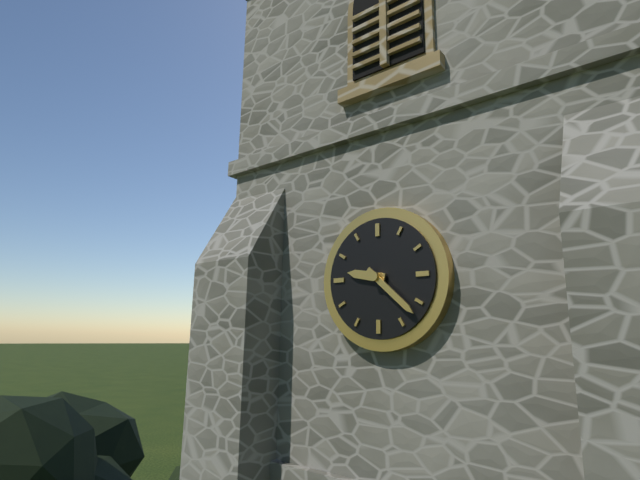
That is h=9 m=22
